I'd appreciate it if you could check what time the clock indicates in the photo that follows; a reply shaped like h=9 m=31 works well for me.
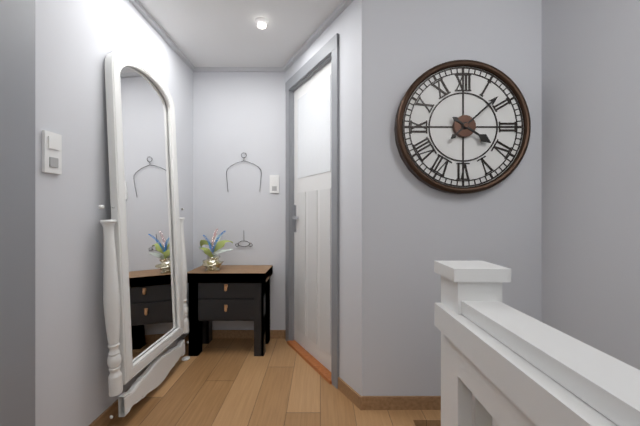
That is h=4 m=8
